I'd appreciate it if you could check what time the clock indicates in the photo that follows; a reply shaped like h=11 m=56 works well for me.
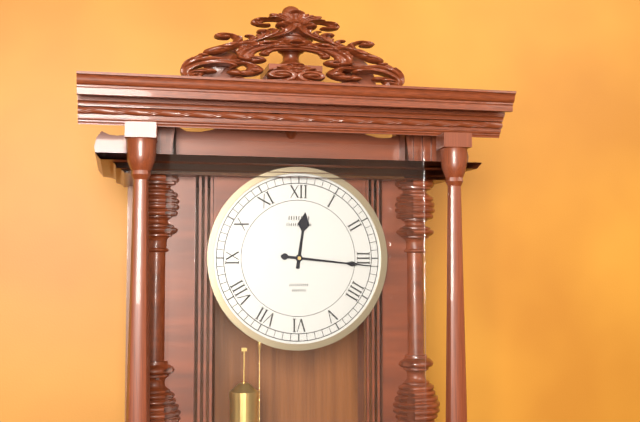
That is h=12 m=16
